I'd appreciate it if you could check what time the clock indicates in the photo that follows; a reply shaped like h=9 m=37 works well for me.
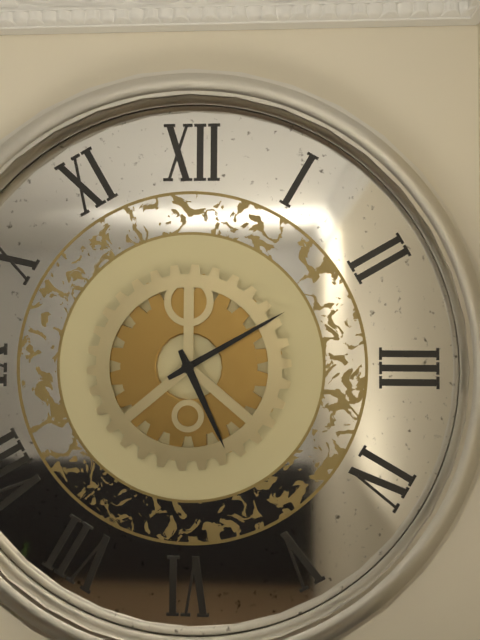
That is h=5 m=10
